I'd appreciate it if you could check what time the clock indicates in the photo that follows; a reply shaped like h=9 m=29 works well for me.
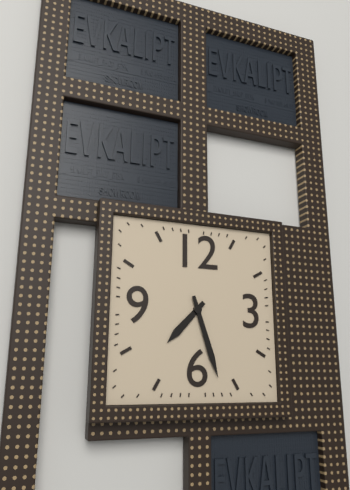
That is h=7 m=27
